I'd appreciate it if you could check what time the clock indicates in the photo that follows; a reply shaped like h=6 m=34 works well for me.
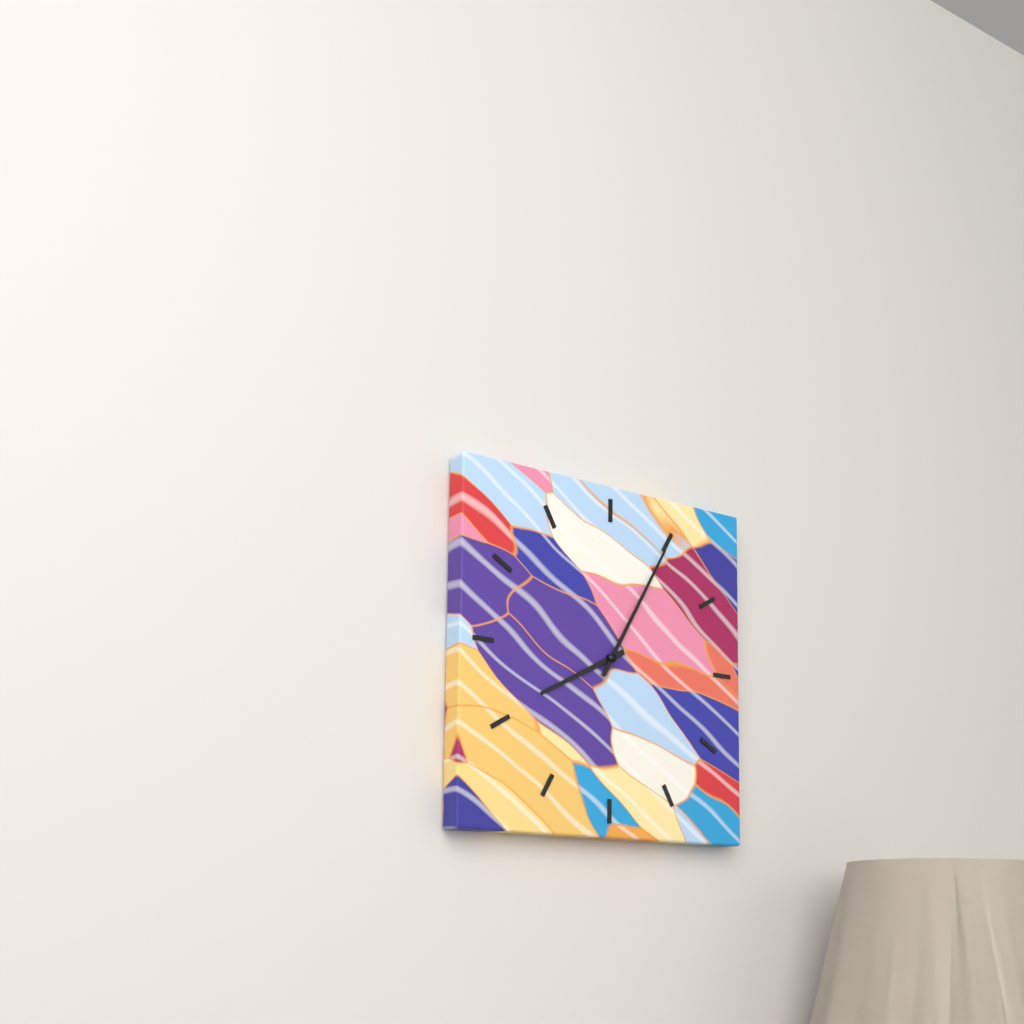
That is h=8 m=5
